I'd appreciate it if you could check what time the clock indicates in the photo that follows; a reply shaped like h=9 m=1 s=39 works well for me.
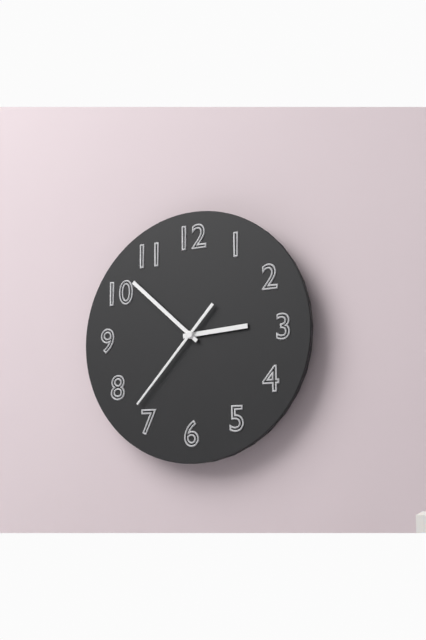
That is h=2 m=52 s=37
